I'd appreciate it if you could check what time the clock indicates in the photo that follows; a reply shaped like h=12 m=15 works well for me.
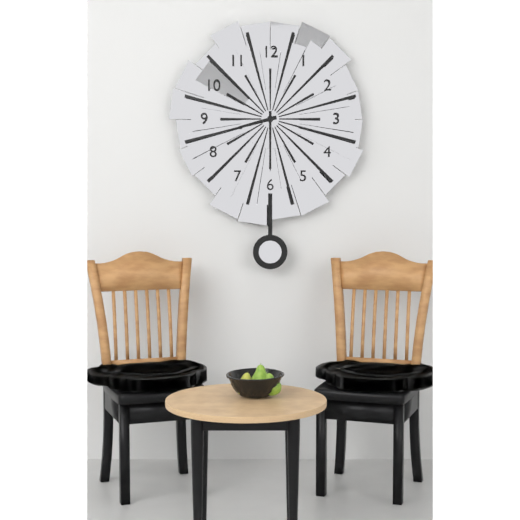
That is h=8 m=30
